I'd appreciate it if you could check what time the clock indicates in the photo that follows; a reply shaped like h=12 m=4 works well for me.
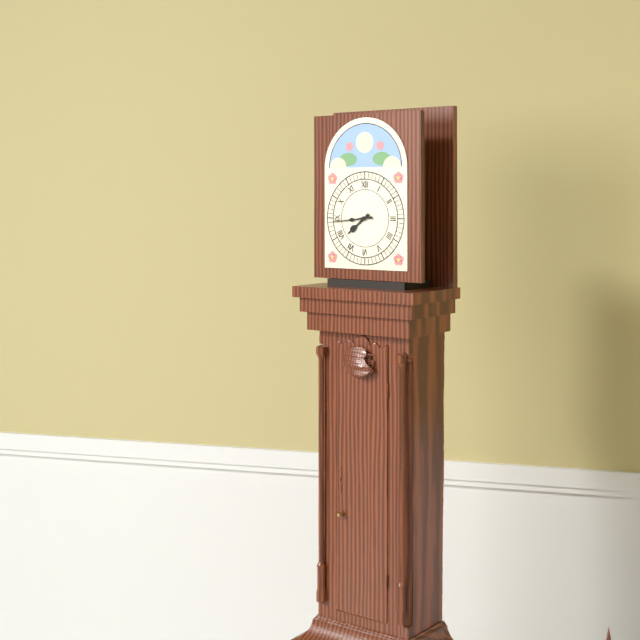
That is h=7 m=44
